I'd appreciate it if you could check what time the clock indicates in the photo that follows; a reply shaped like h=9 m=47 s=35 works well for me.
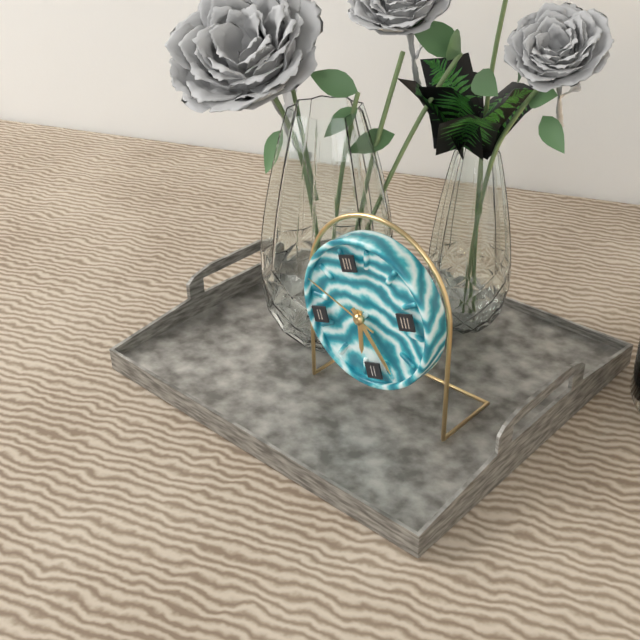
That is h=6 m=26 s=51
